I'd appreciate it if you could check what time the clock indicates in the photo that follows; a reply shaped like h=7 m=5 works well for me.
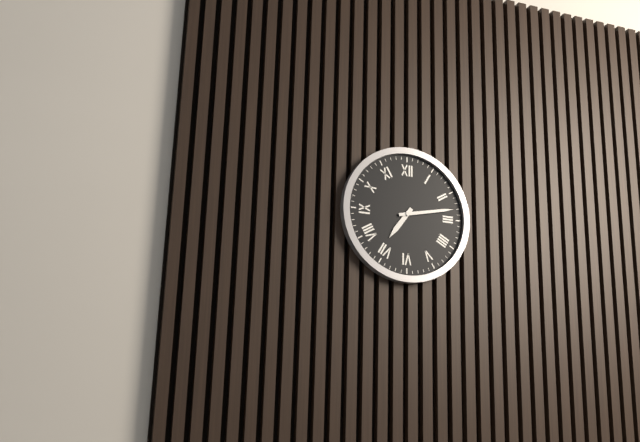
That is h=7 m=13
